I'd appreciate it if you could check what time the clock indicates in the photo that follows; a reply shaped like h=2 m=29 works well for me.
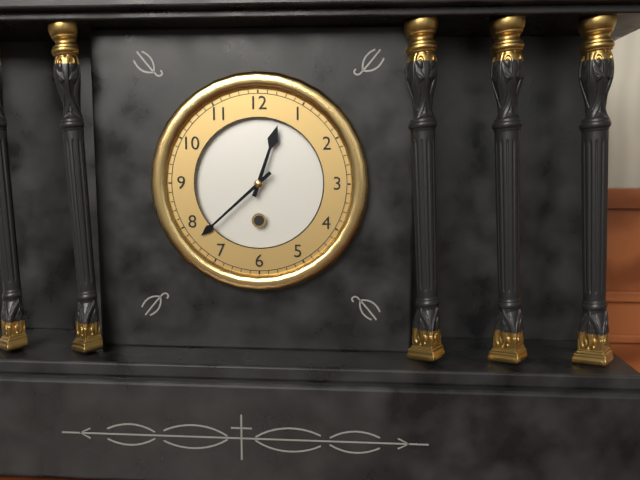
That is h=12 m=38
